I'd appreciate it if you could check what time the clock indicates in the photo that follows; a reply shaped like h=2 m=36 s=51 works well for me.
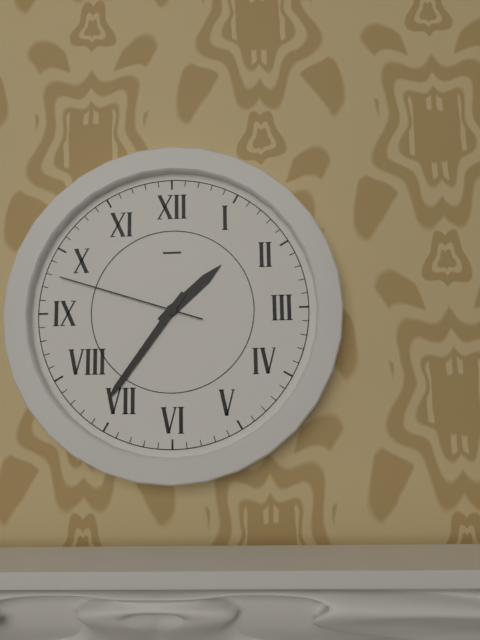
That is h=1 m=36 s=48
